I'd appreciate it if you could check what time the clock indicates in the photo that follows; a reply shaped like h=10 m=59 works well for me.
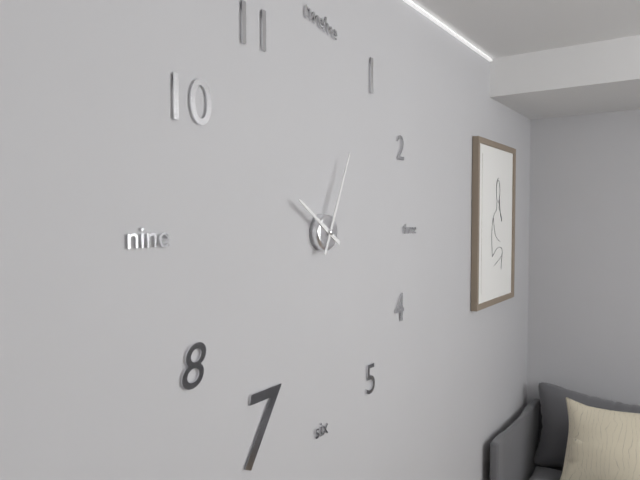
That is h=10 m=4
